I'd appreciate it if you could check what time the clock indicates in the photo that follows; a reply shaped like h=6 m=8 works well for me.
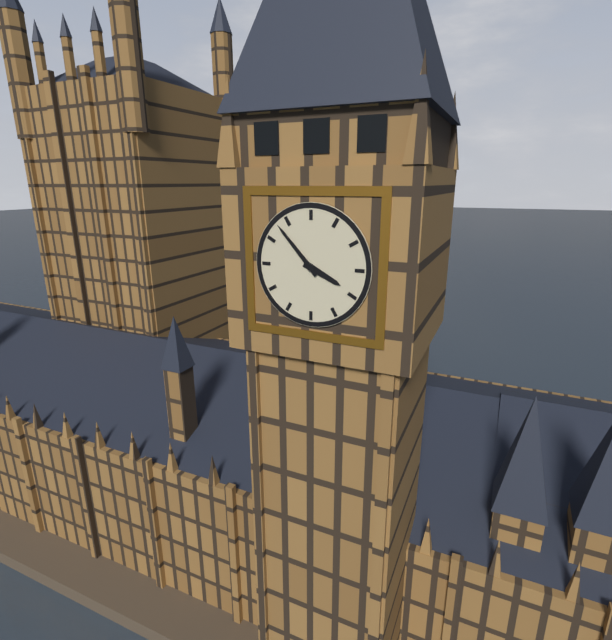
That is h=3 m=53
